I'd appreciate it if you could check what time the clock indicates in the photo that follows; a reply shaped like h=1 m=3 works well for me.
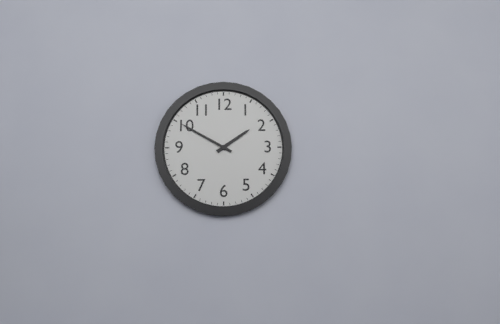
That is h=1 m=50
